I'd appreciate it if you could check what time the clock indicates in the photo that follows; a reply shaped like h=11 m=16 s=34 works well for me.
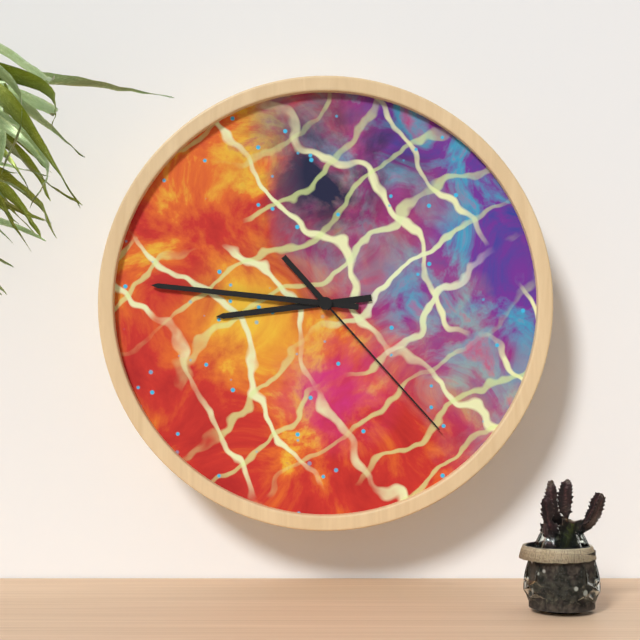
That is h=8 m=46 s=23
